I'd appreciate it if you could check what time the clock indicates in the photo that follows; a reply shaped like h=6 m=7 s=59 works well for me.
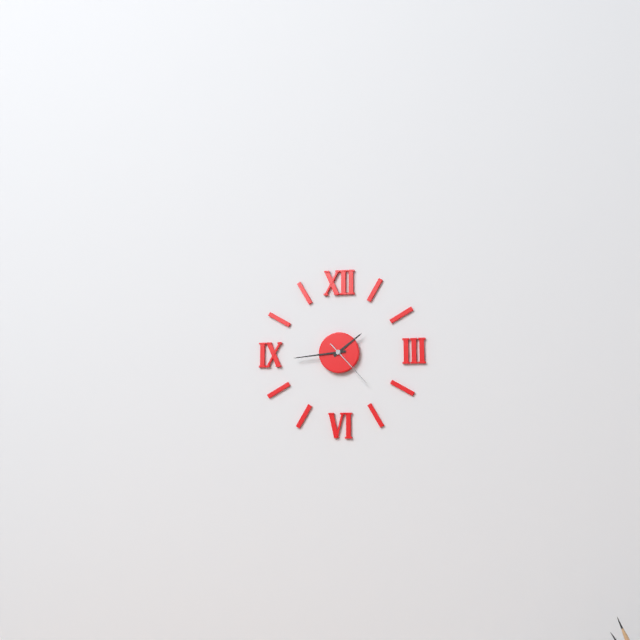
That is h=1 m=44 s=23
